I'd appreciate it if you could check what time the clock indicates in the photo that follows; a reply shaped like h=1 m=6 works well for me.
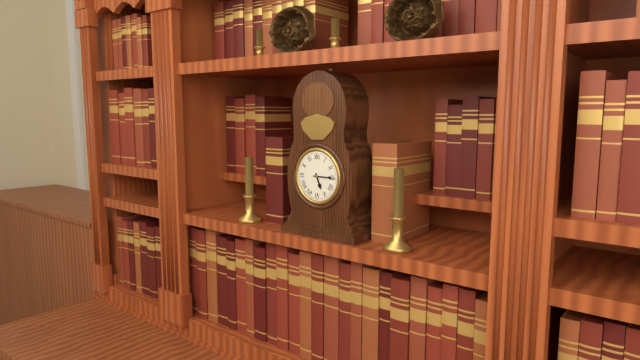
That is h=5 m=15
